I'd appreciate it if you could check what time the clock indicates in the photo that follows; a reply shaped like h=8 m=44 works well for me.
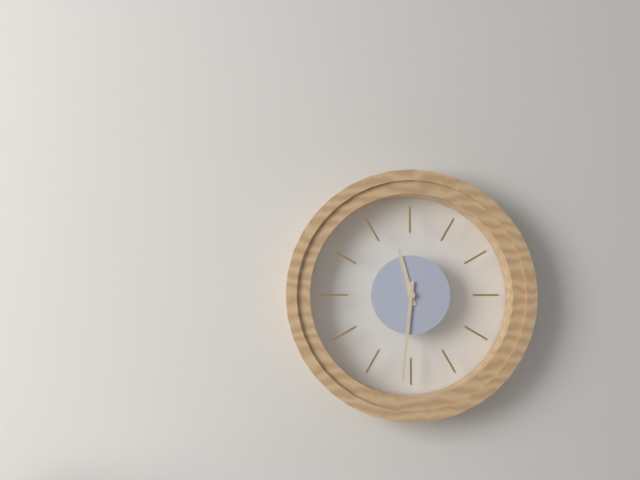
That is h=11 m=31
